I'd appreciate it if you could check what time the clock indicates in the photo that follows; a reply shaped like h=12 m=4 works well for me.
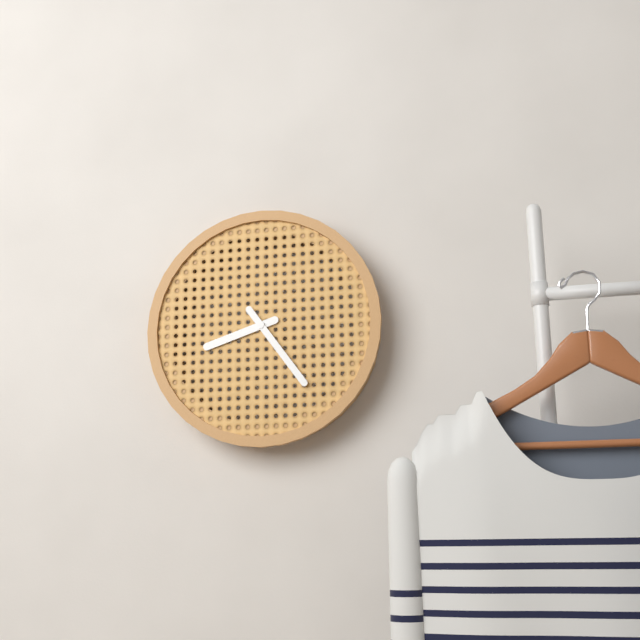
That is h=8 m=24
